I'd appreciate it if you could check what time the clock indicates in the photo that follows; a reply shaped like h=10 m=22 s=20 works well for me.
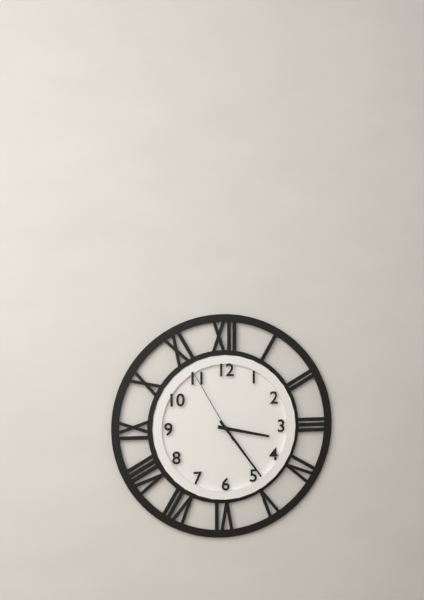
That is h=3 m=24 s=55
